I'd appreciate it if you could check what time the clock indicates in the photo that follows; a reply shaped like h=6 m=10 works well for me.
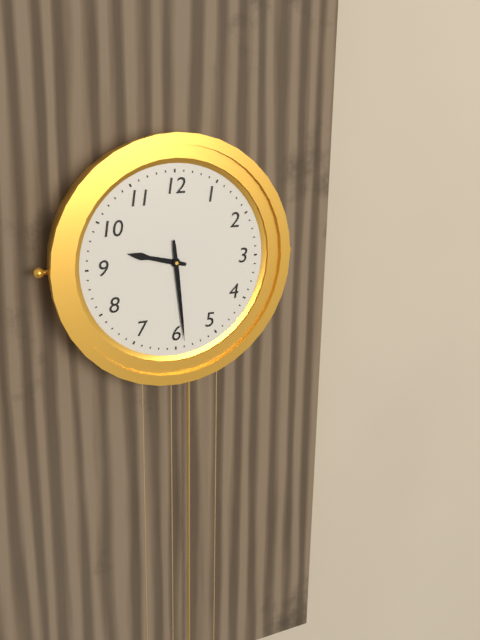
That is h=9 m=29
